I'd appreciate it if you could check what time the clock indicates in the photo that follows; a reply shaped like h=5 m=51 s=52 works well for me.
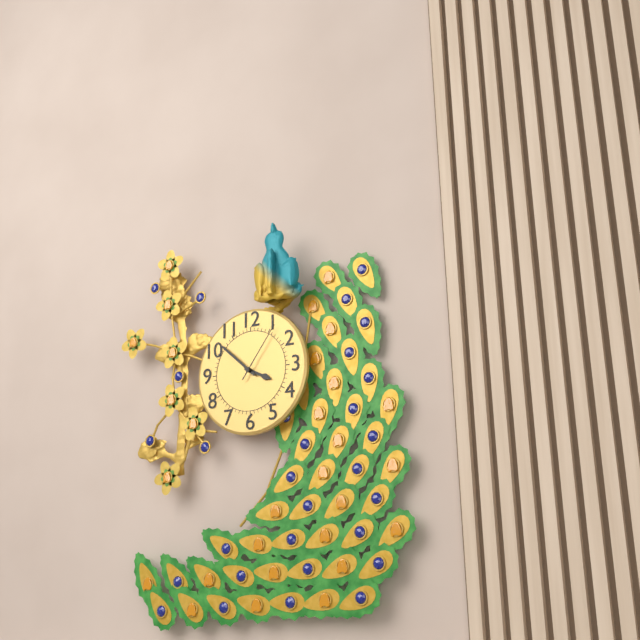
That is h=3 m=52 s=6
